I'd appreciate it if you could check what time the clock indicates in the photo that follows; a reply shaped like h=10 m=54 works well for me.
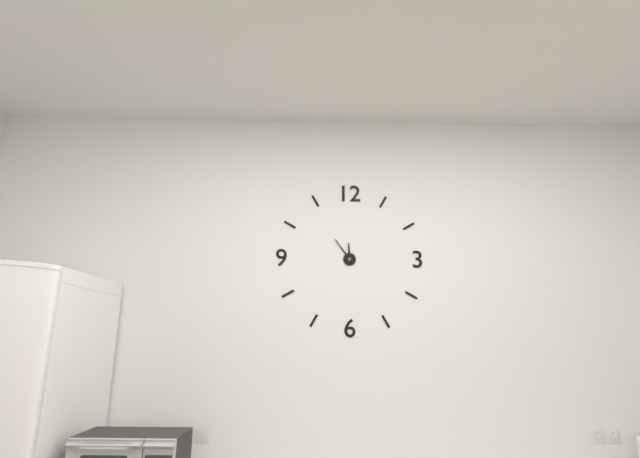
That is h=11 m=54
